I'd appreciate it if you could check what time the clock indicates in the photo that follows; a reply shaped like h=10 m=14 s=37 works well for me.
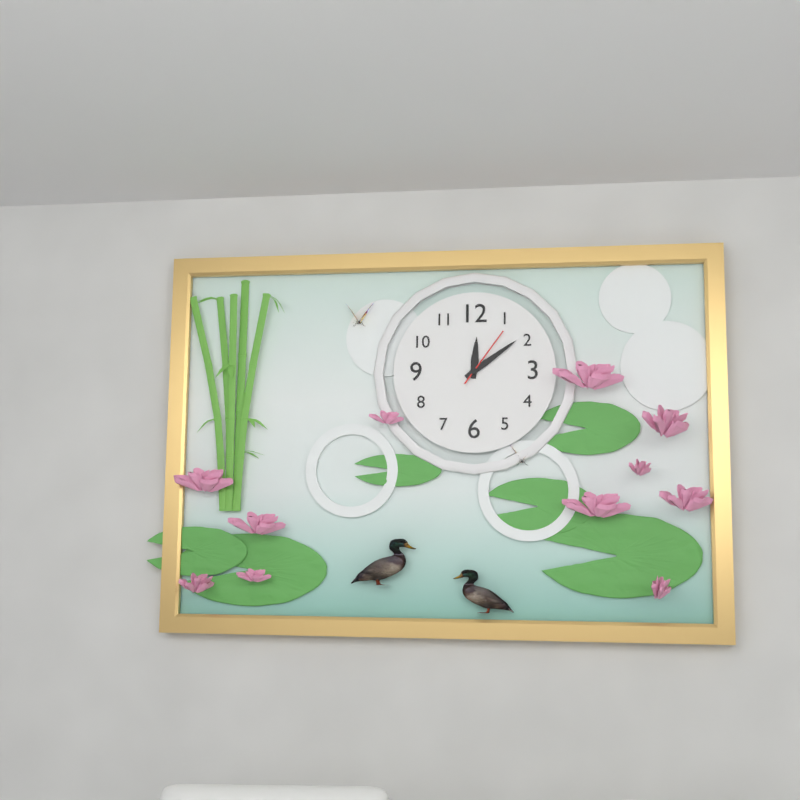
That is h=12 m=9 s=6
